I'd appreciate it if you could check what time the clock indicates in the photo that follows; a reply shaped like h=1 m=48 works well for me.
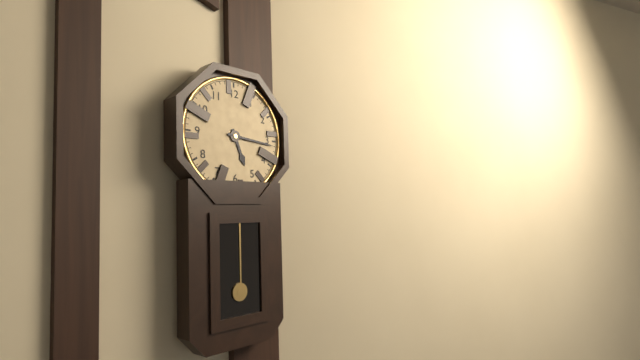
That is h=5 m=16
